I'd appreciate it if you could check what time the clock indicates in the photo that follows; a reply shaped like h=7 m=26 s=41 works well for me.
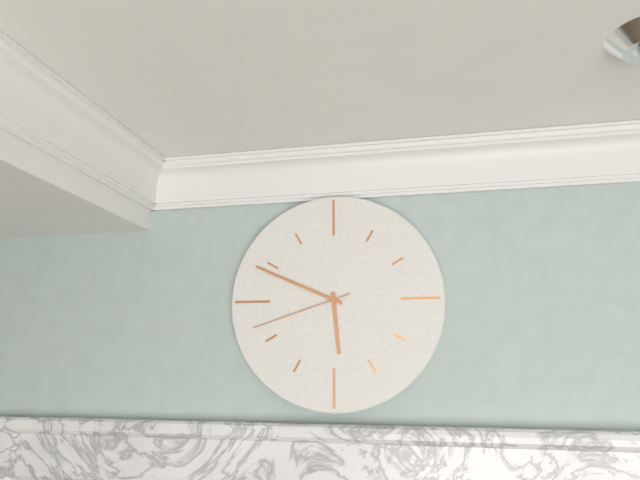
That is h=5 m=49 s=42
